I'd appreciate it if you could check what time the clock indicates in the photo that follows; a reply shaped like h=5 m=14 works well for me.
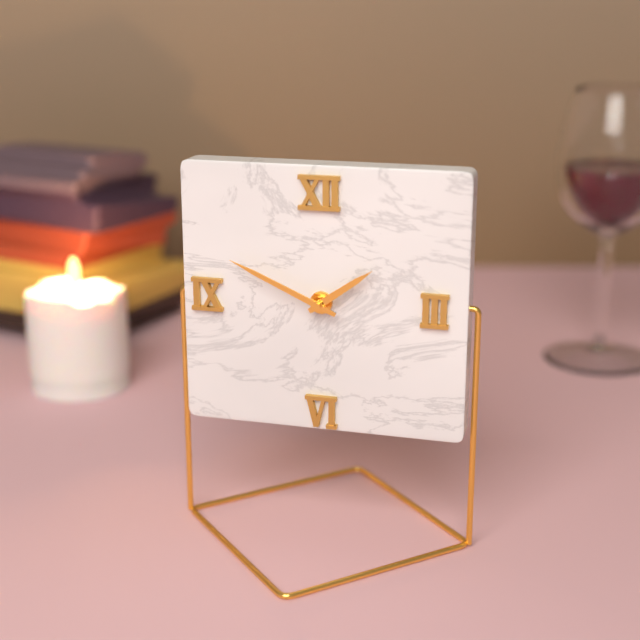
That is h=1 m=49
